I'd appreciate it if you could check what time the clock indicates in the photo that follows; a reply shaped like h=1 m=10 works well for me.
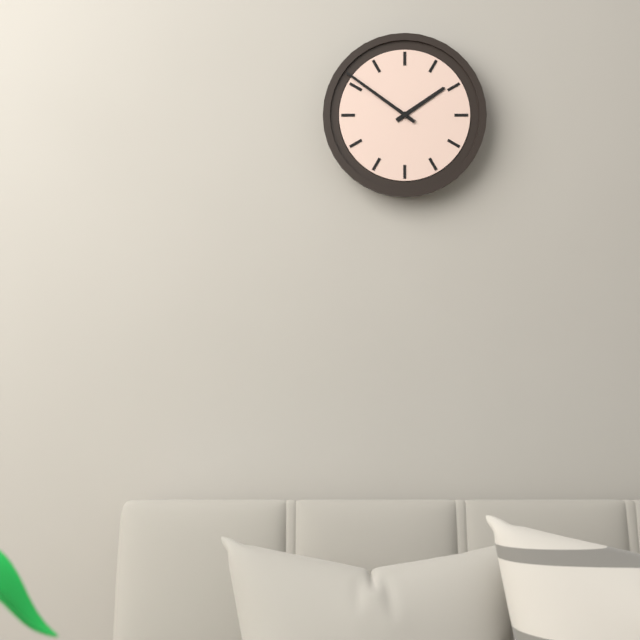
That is h=1 m=51
